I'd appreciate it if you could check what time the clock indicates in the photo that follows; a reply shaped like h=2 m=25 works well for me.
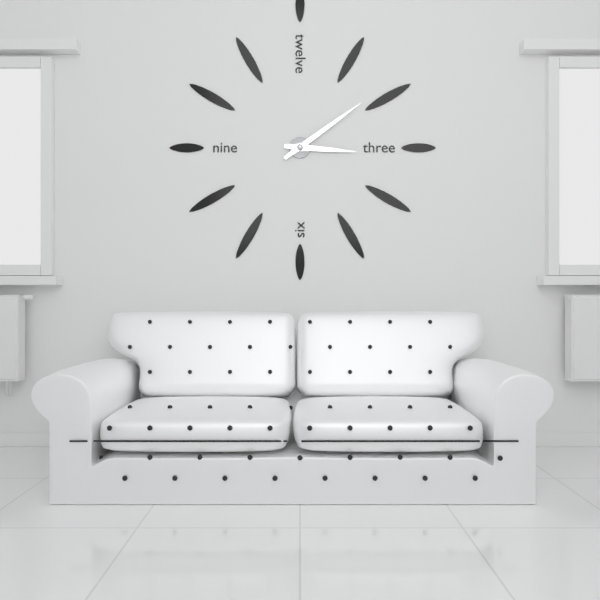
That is h=3 m=9
